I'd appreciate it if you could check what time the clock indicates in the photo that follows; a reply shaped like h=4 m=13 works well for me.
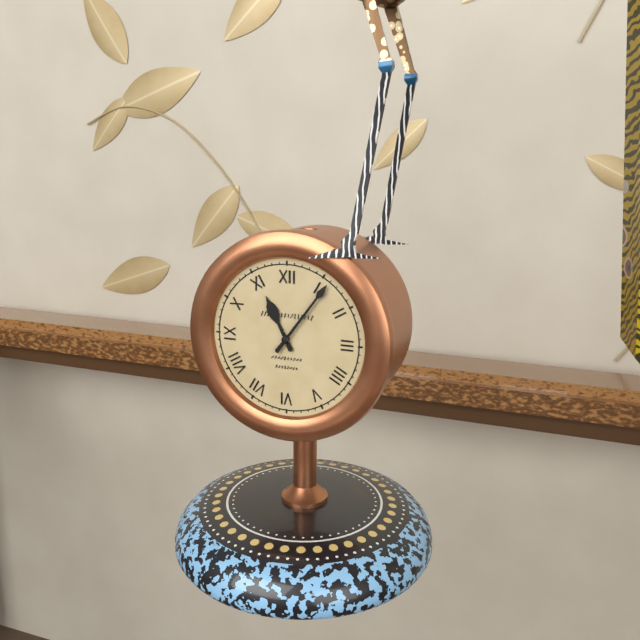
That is h=11 m=6
